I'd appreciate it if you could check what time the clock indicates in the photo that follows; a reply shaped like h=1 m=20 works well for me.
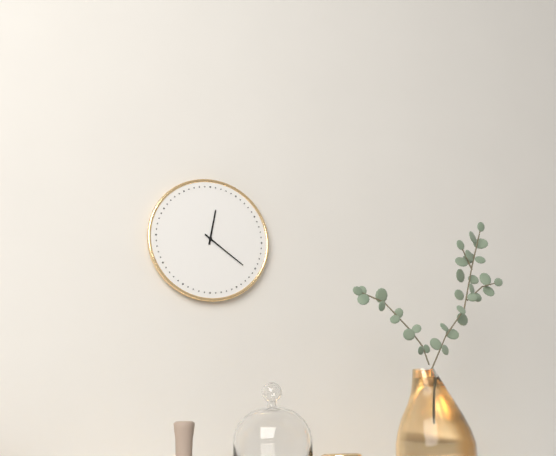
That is h=12 m=21
